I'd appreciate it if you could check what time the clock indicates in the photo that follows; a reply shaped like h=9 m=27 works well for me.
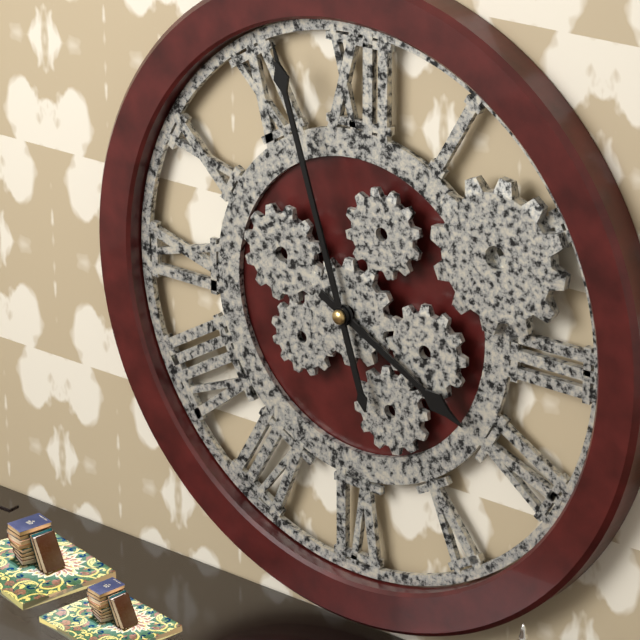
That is h=3 m=57
